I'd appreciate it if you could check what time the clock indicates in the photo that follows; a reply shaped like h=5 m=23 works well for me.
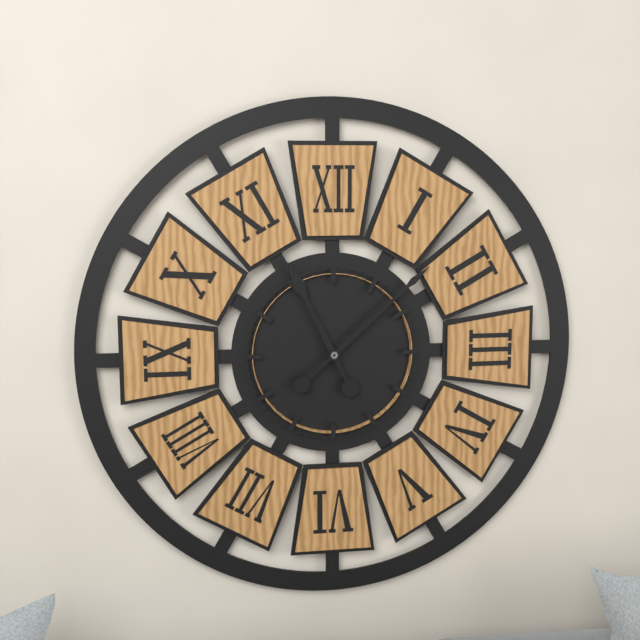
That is h=11 m=8
